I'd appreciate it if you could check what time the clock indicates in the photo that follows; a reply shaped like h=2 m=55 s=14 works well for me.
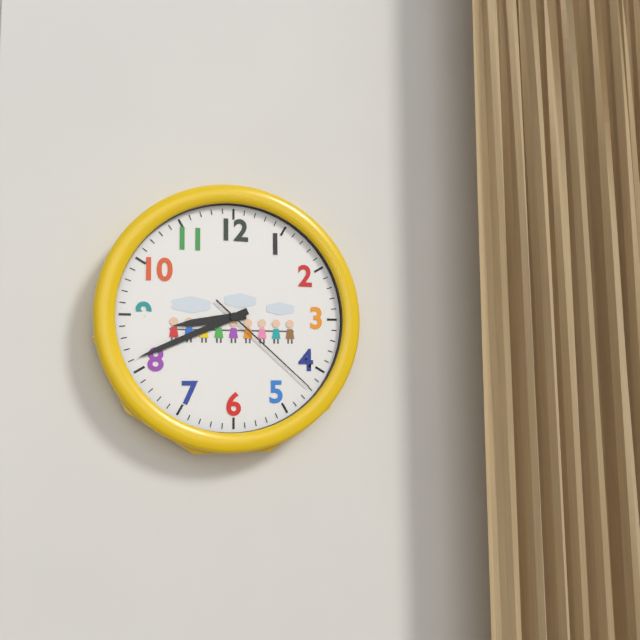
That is h=8 m=41 s=22
